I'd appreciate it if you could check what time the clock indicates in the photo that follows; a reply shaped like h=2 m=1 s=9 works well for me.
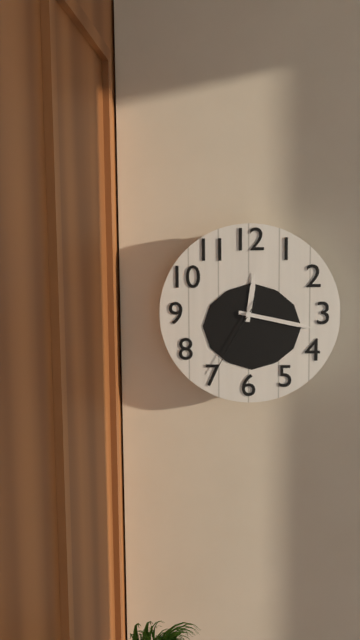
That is h=12 m=17 s=35
